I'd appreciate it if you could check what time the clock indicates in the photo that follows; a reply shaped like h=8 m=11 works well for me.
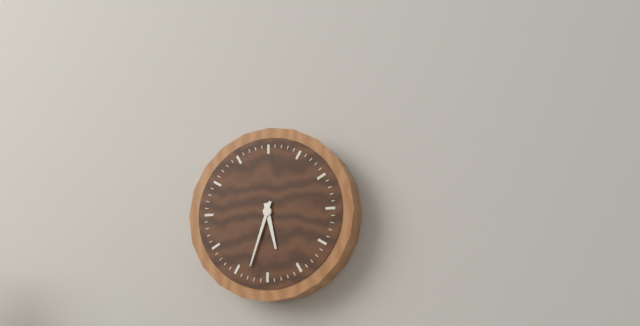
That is h=5 m=33
